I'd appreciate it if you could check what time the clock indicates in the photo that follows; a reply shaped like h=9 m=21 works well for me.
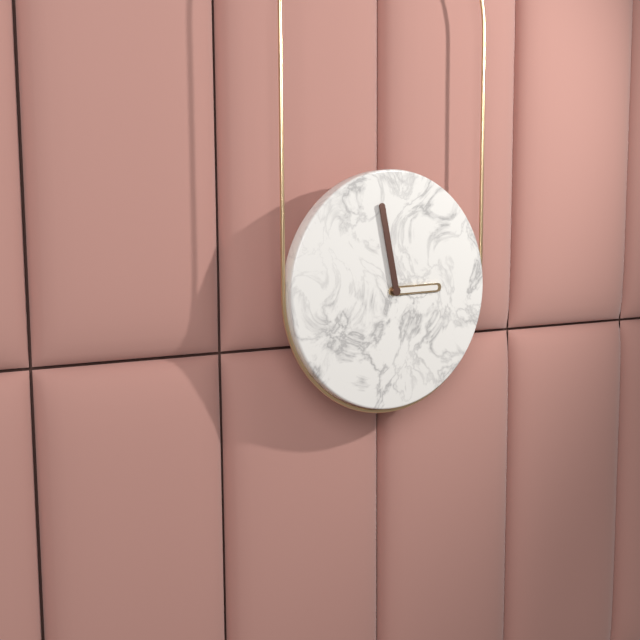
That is h=2 m=58
